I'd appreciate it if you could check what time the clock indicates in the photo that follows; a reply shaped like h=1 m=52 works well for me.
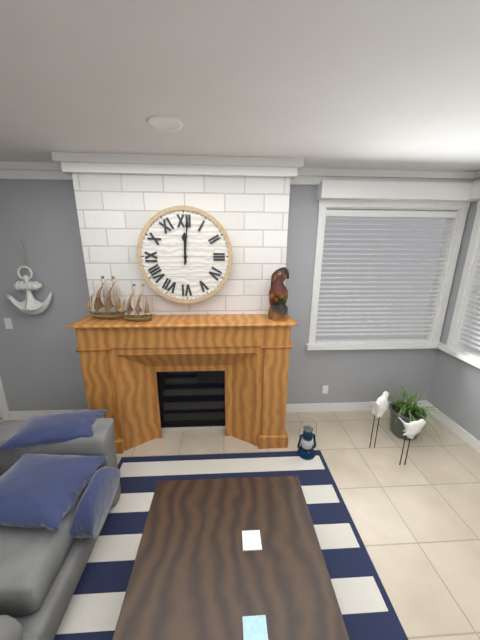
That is h=12 m=1
